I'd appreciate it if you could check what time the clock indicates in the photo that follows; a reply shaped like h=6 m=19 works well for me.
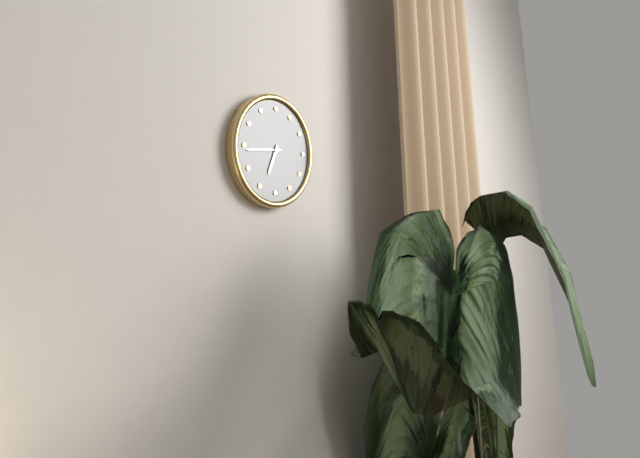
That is h=6 m=44
